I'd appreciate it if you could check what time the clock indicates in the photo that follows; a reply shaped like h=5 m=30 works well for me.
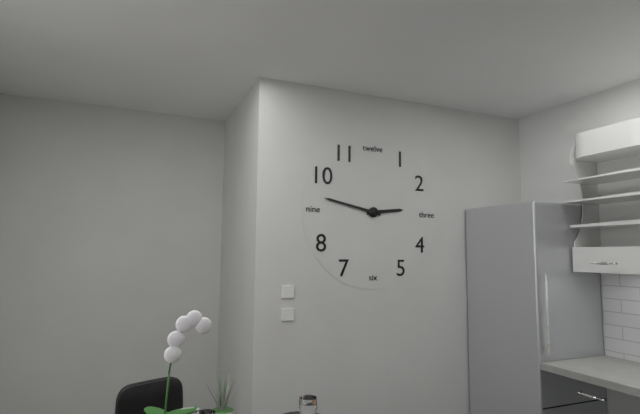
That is h=2 m=47
